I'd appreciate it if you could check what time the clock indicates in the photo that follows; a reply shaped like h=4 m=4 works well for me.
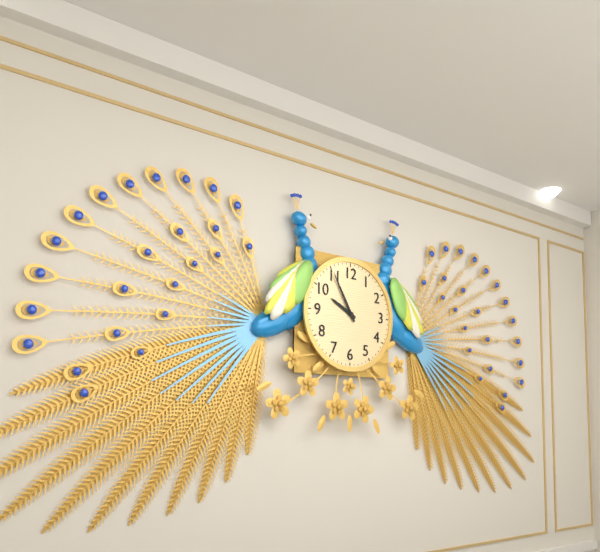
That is h=9 m=55
